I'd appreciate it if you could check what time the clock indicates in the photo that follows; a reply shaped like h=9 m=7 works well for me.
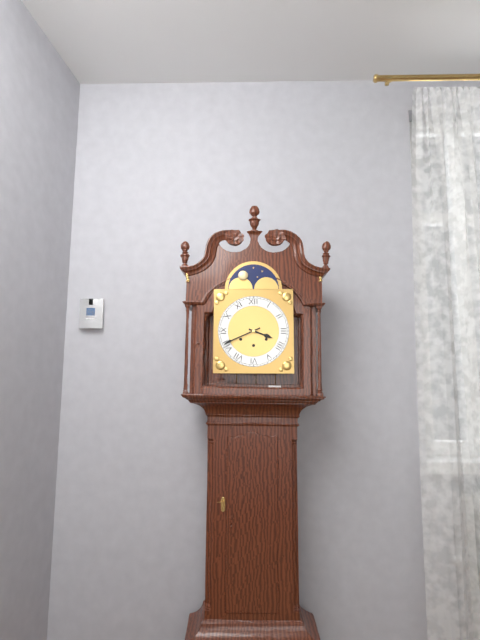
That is h=3 m=41
